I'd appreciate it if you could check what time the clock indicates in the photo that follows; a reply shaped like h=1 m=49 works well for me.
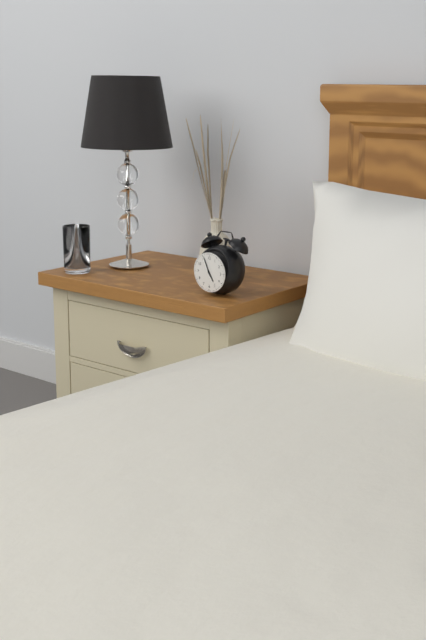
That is h=4 m=56
